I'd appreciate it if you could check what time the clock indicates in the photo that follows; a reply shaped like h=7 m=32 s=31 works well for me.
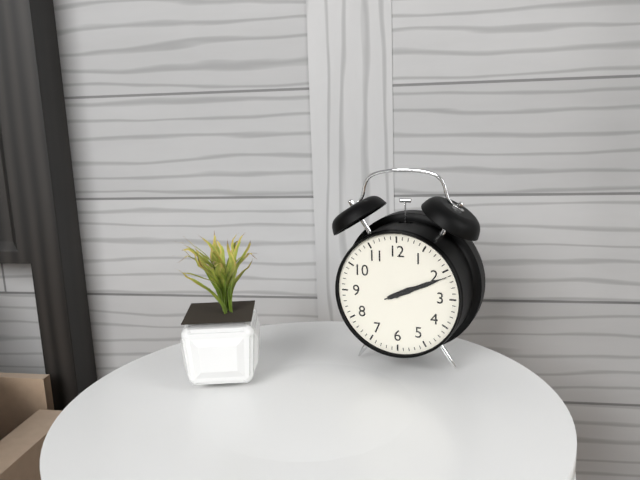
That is h=2 m=11 s=11
